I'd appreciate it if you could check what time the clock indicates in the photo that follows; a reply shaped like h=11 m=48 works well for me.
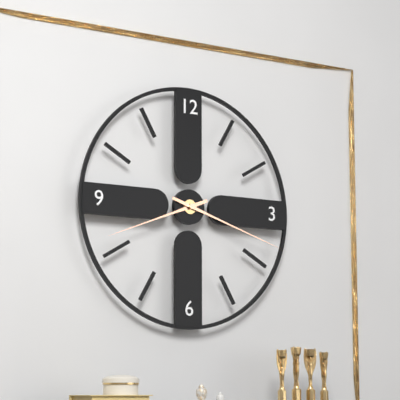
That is h=8 m=18
